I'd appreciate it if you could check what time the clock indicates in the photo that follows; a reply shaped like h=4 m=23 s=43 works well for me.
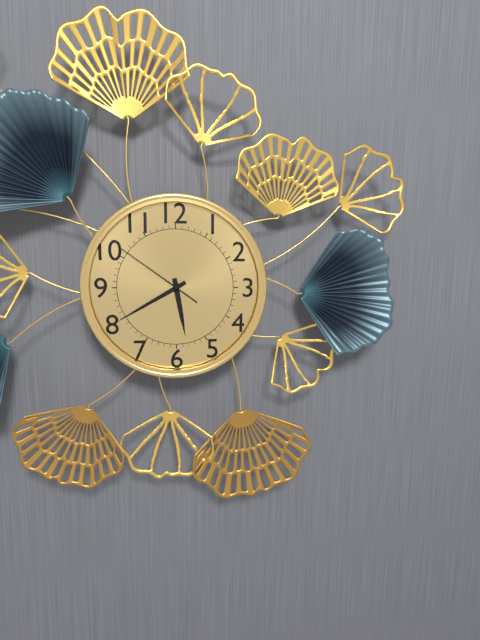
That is h=5 m=40 s=51
